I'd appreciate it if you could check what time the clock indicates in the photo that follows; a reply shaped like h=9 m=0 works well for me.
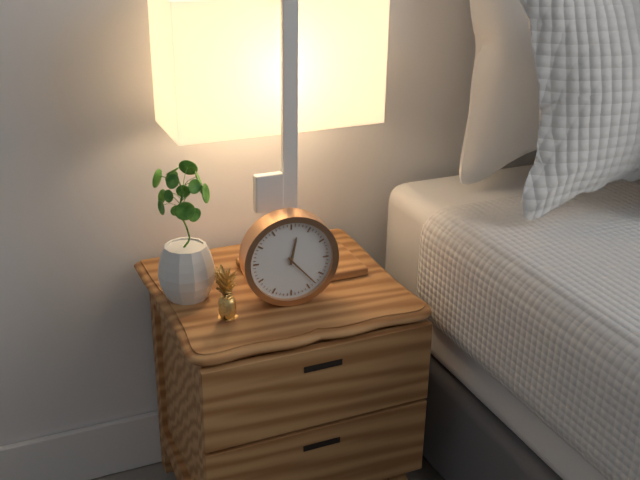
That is h=12 m=23
